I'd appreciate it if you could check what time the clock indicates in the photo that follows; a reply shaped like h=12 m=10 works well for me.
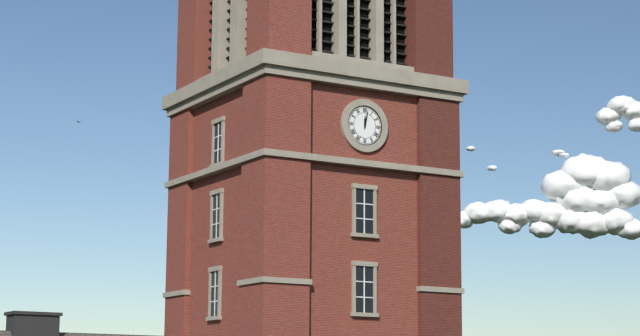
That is h=12 m=2
